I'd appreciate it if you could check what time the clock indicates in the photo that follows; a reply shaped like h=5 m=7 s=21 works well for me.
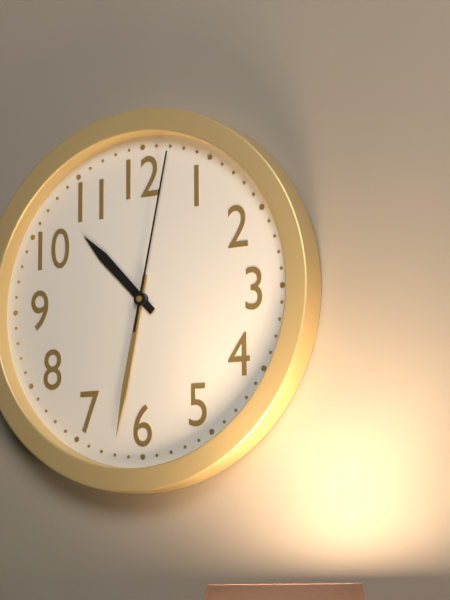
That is h=10 m=32 s=2
